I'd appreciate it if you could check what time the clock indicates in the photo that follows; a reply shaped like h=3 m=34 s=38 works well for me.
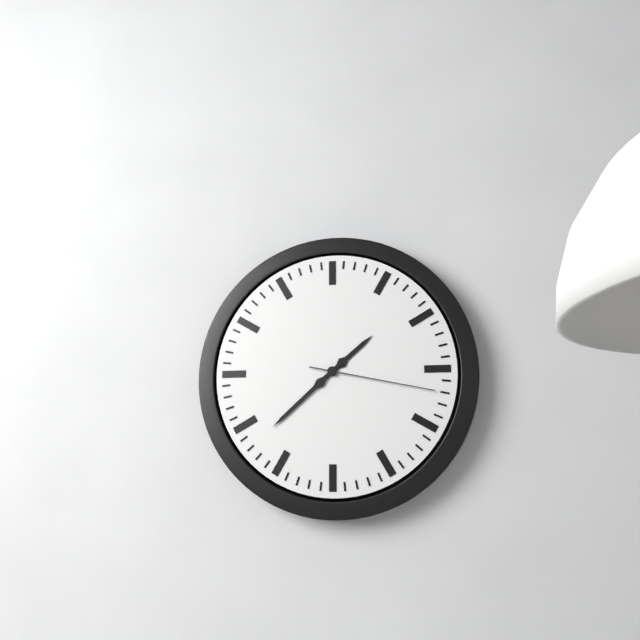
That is h=1 m=38 s=17
